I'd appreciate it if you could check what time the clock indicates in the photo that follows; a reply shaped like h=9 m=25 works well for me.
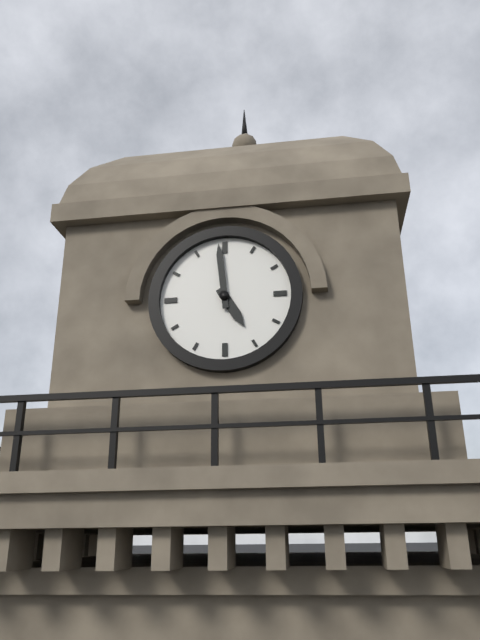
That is h=4 m=59
